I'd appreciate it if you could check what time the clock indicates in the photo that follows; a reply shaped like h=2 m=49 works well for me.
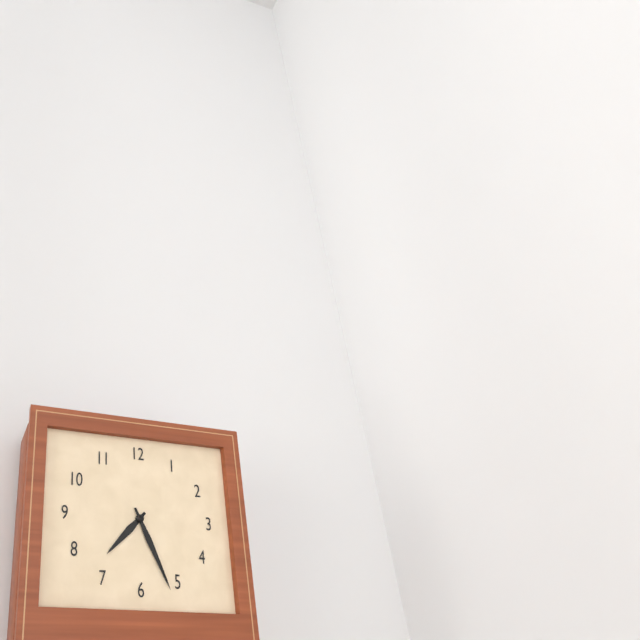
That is h=7 m=26
